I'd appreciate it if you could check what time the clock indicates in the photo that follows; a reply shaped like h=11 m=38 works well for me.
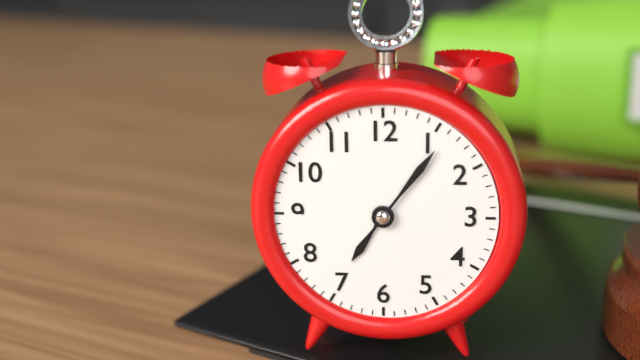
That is h=7 m=6
